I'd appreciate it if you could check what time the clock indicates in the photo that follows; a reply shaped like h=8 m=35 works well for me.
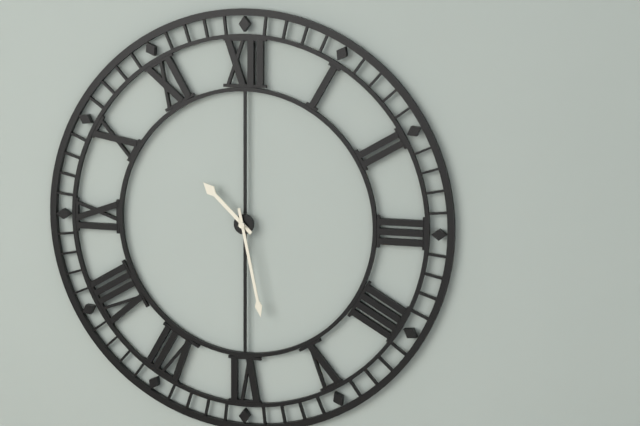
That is h=10 m=28
